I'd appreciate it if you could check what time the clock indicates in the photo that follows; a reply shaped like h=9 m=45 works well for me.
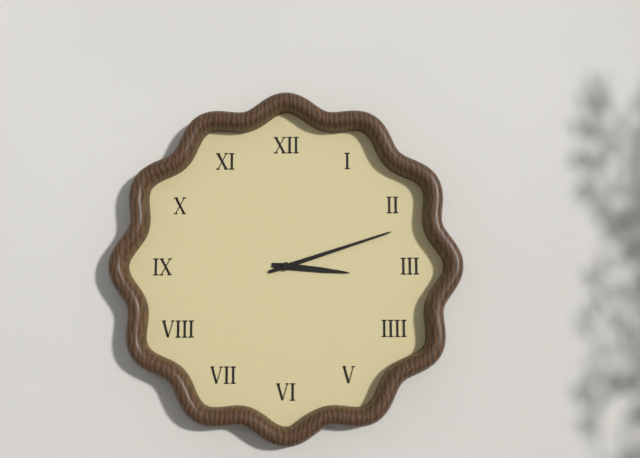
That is h=3 m=12
